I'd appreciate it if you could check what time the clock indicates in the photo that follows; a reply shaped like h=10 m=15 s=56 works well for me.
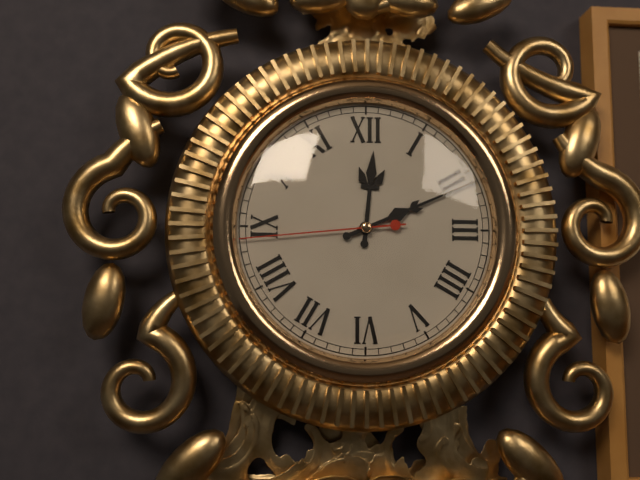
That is h=12 m=11 s=44
